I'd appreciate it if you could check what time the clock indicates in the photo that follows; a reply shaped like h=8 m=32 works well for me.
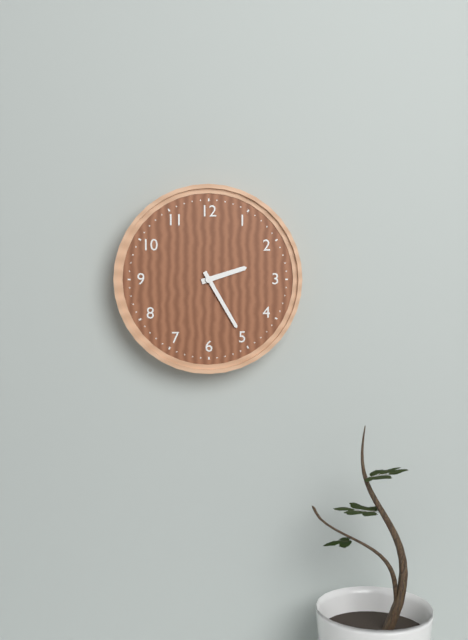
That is h=2 m=25
